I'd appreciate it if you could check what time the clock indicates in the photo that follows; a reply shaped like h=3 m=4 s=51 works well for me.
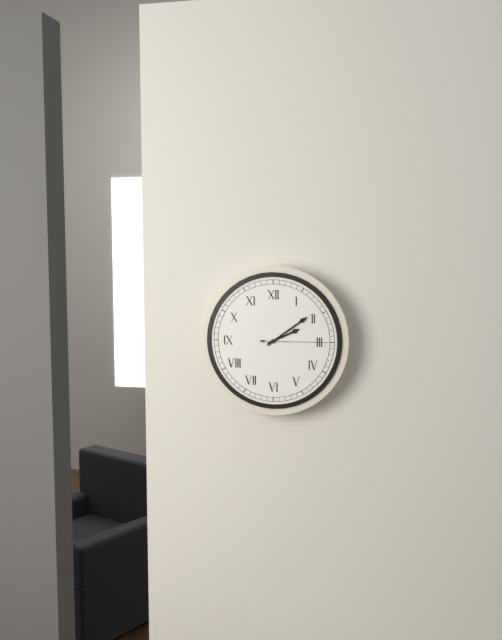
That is h=2 m=9 s=15
